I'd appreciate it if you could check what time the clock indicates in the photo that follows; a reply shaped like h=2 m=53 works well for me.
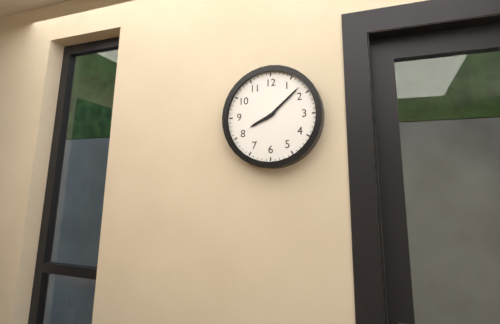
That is h=8 m=8
